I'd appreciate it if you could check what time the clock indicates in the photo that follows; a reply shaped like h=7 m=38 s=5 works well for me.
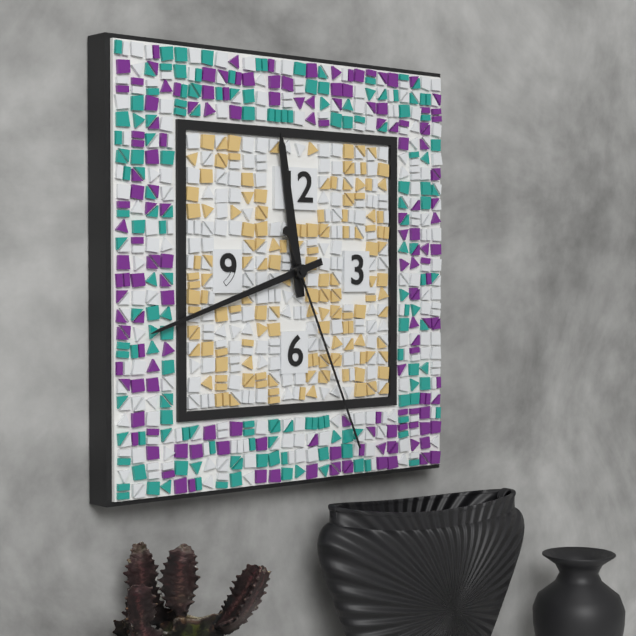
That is h=11 m=42 s=26
